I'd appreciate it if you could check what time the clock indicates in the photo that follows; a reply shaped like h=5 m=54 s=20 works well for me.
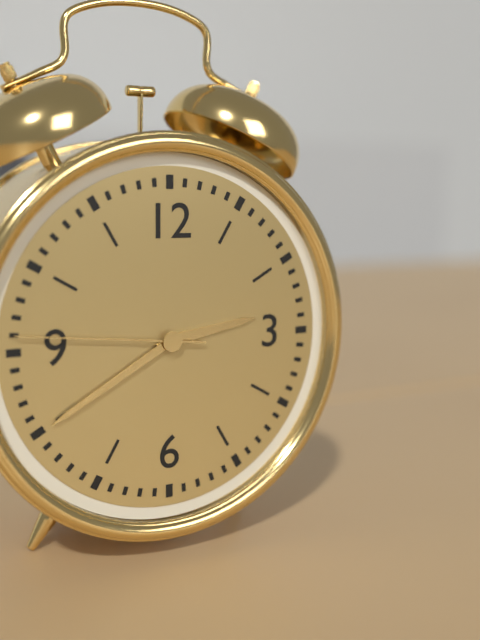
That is h=2 m=40 s=46
